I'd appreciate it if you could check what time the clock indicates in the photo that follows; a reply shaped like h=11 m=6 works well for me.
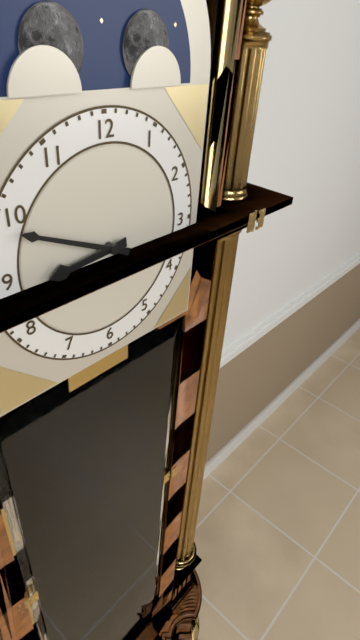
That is h=8 m=49
